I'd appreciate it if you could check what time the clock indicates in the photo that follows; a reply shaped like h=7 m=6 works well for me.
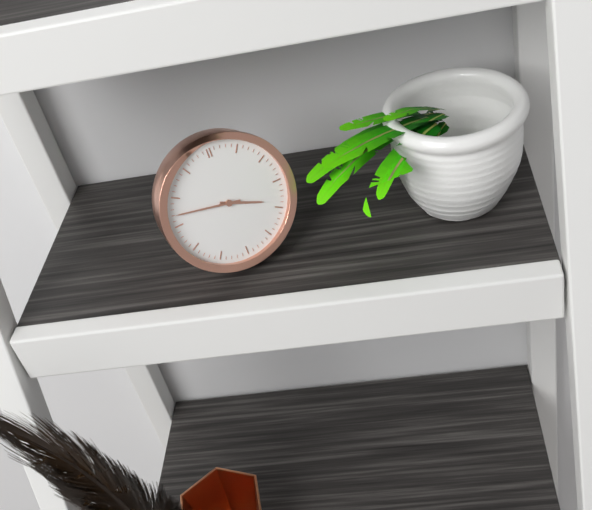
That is h=3 m=47
